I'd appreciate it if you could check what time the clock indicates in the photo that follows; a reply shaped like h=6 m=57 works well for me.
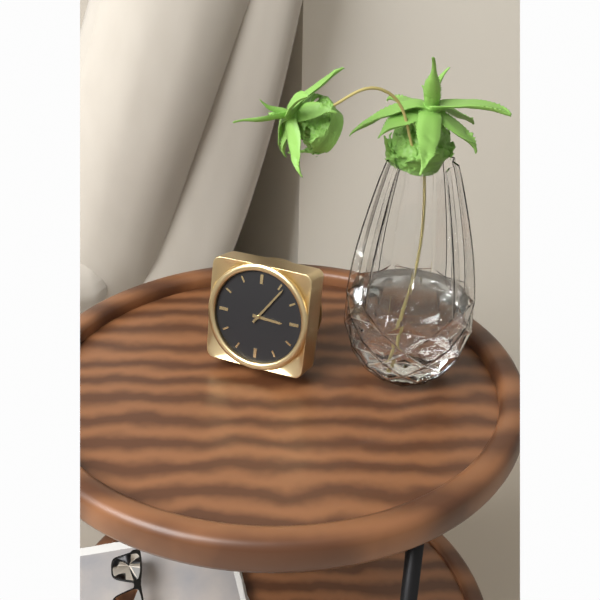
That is h=3 m=6
